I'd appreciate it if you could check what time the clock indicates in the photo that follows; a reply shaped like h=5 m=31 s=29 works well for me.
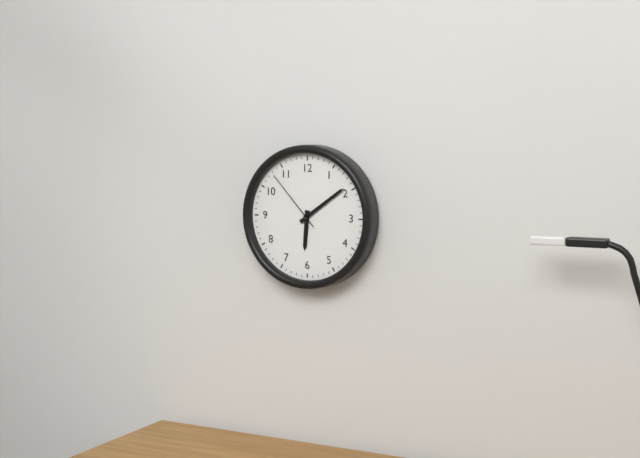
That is h=6 m=9 s=53
